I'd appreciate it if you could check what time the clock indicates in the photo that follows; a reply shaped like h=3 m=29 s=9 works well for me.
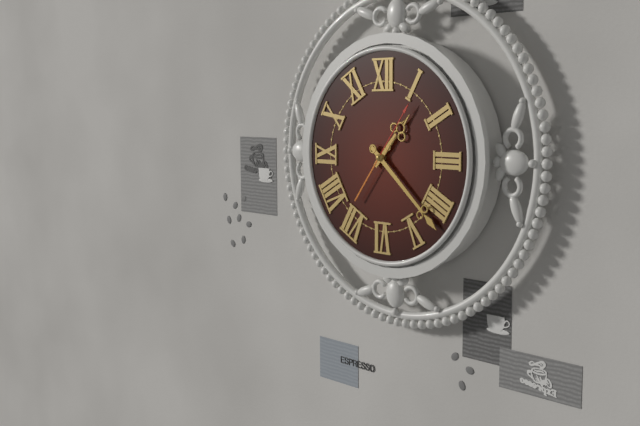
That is h=1 m=22 s=6
